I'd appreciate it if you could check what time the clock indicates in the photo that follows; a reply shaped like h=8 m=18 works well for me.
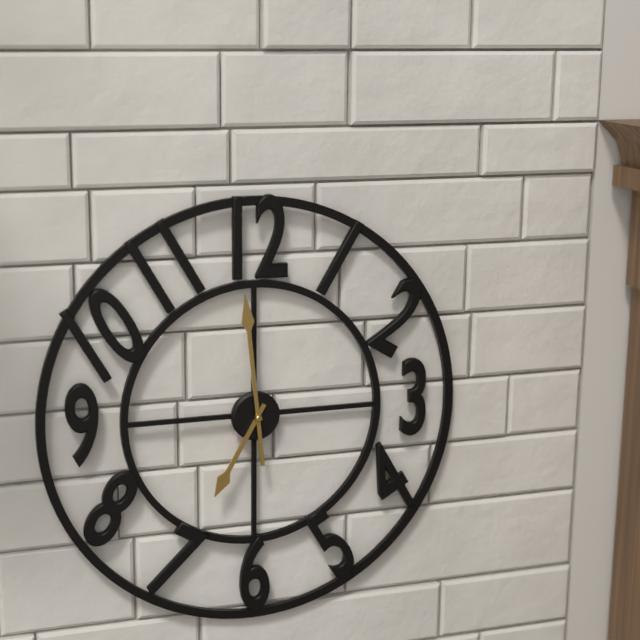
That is h=6 m=59
